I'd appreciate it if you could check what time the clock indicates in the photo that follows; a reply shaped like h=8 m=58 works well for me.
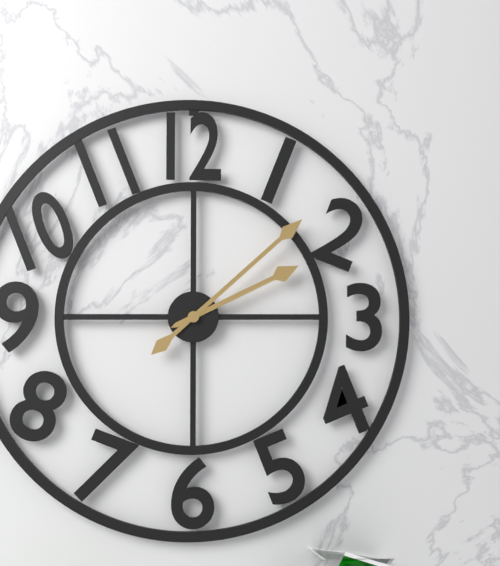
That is h=2 m=8
